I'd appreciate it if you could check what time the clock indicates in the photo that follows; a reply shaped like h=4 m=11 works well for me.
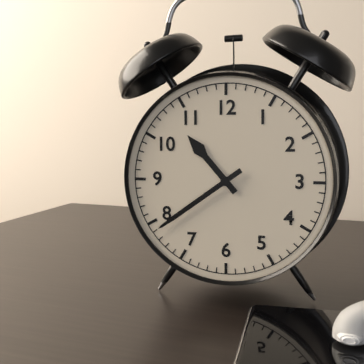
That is h=10 m=39
